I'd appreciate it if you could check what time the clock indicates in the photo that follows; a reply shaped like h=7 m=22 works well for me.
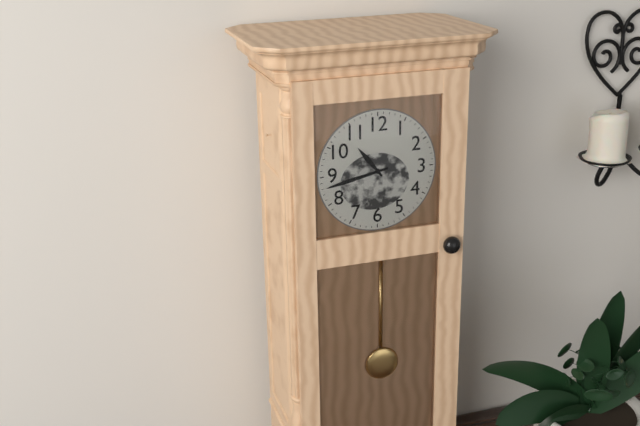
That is h=10 m=43
